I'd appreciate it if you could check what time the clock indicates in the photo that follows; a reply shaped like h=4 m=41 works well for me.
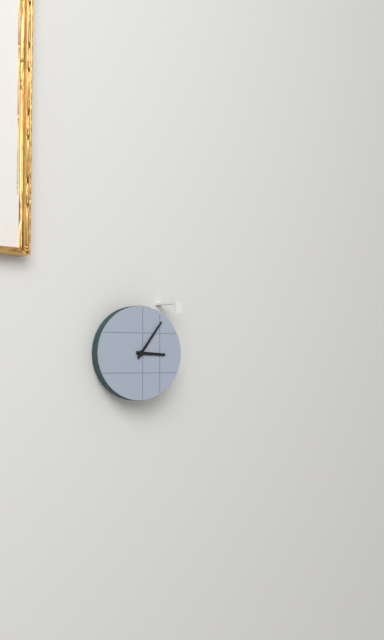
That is h=3 m=6
